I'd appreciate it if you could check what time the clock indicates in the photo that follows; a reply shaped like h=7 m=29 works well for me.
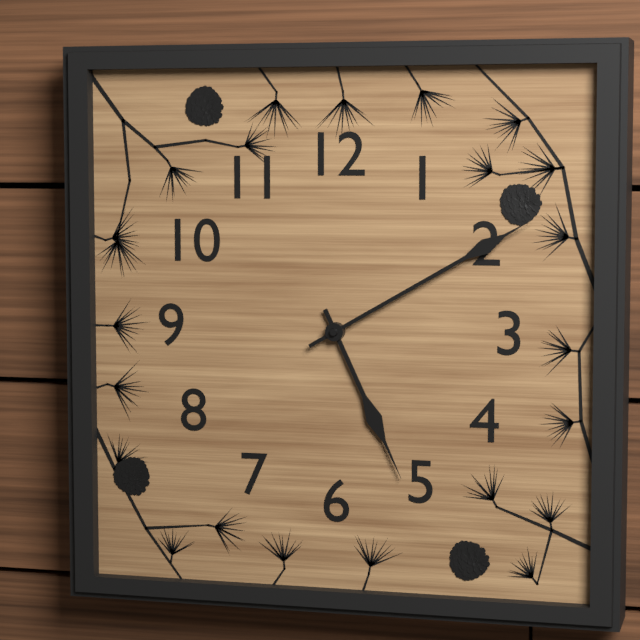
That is h=5 m=10
